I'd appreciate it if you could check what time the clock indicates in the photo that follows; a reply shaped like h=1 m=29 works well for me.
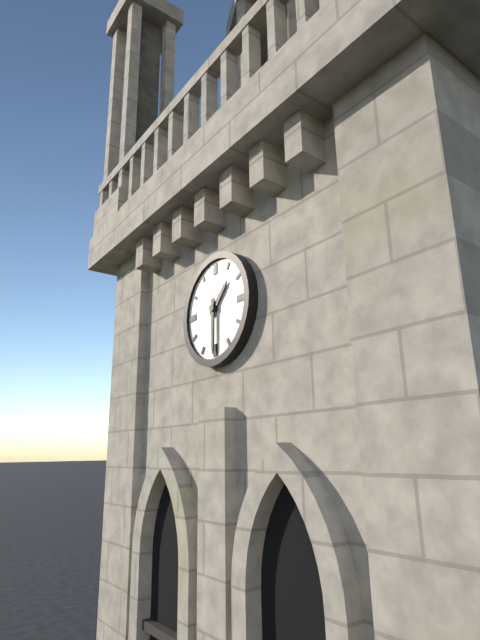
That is h=1 m=30
